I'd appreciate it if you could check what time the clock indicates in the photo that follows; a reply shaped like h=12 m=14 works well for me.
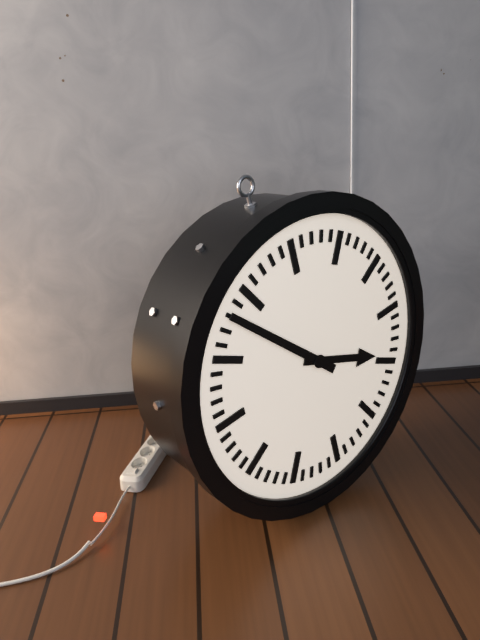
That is h=3 m=53
